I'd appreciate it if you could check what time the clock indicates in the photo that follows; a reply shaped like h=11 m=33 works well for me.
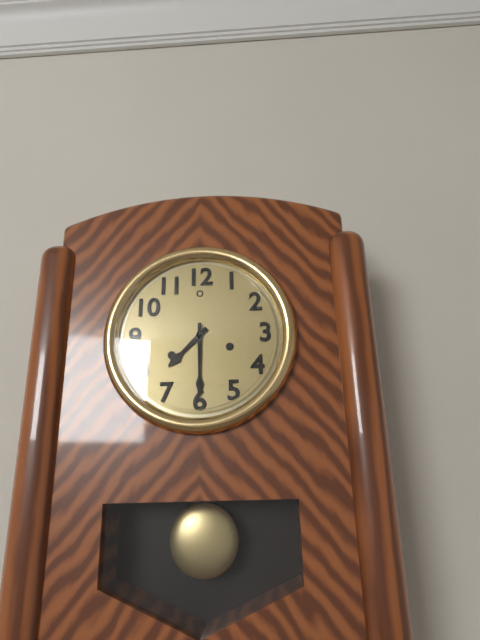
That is h=7 m=30
